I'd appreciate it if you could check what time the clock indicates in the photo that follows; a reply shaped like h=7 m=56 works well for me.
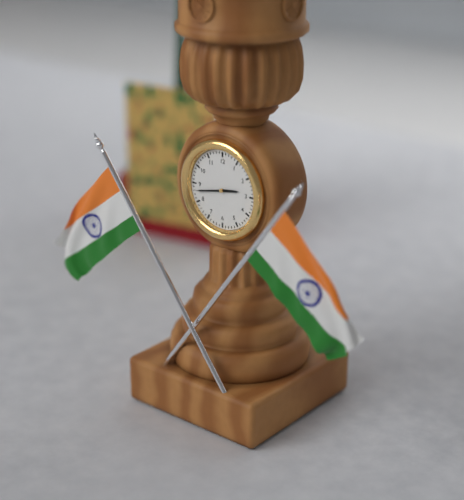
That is h=2 m=43
